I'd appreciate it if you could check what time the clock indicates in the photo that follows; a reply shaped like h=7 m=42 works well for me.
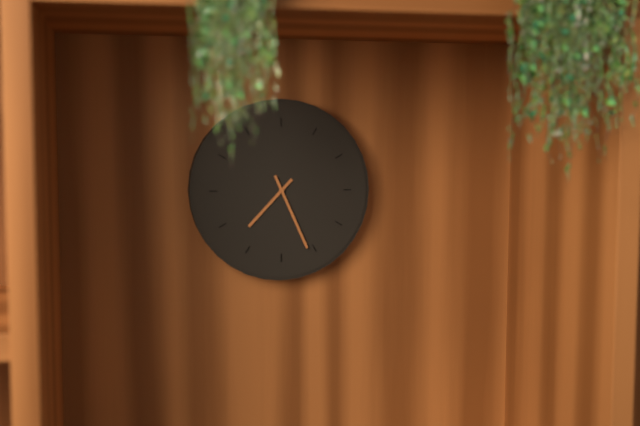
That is h=7 m=26
